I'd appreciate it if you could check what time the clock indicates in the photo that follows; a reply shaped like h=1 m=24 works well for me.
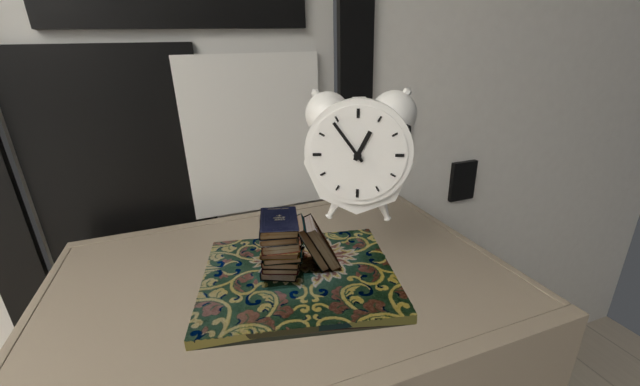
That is h=12 m=54
